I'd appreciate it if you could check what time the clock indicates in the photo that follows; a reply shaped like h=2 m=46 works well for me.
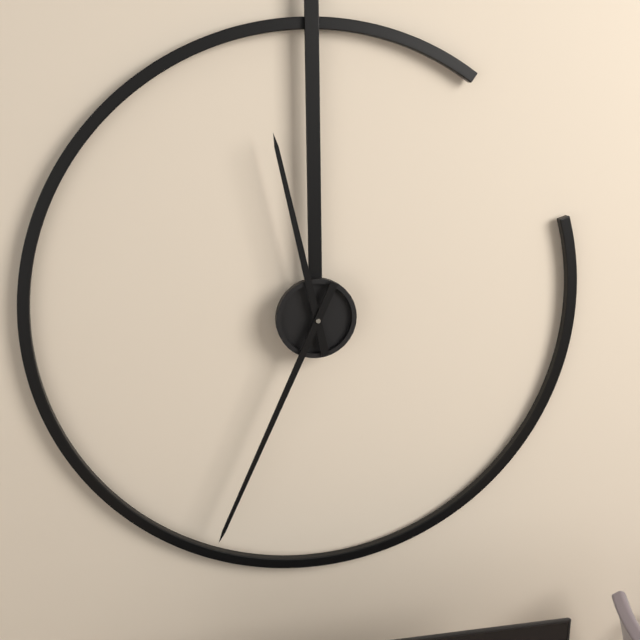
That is h=11 m=34
